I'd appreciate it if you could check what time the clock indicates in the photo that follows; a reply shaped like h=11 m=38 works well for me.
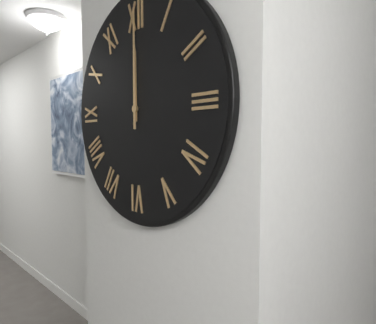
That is h=12 m=0
